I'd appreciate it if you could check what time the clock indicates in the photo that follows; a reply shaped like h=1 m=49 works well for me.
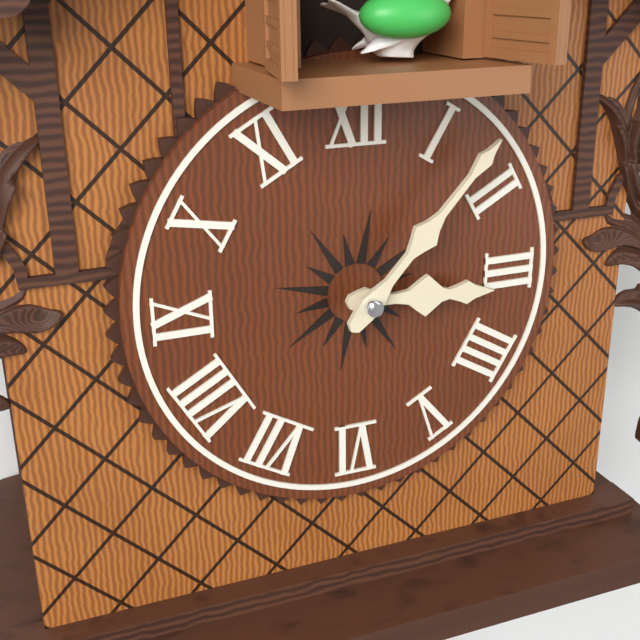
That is h=3 m=7
